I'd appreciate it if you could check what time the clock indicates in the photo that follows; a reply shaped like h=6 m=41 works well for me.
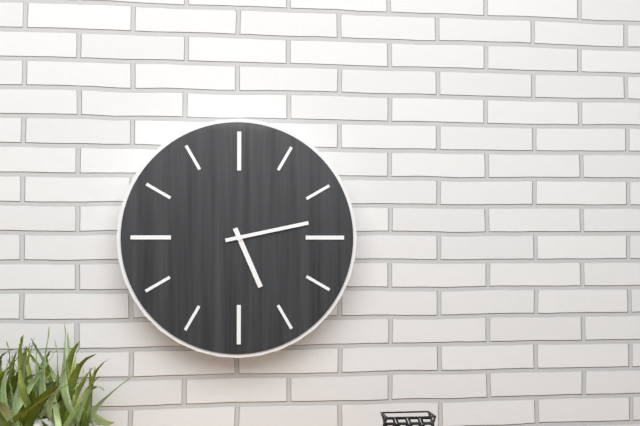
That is h=5 m=13
